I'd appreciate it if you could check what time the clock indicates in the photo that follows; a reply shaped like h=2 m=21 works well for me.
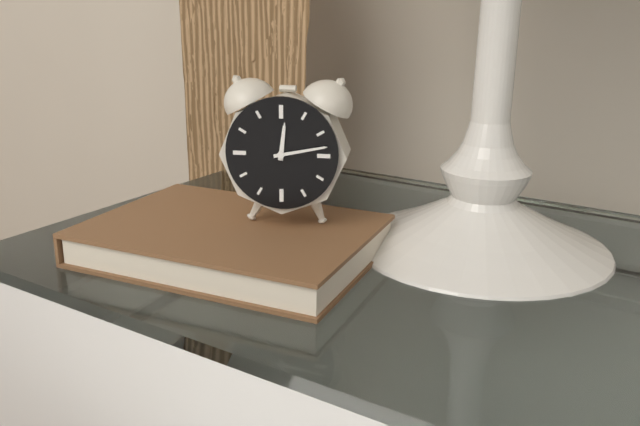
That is h=12 m=13
